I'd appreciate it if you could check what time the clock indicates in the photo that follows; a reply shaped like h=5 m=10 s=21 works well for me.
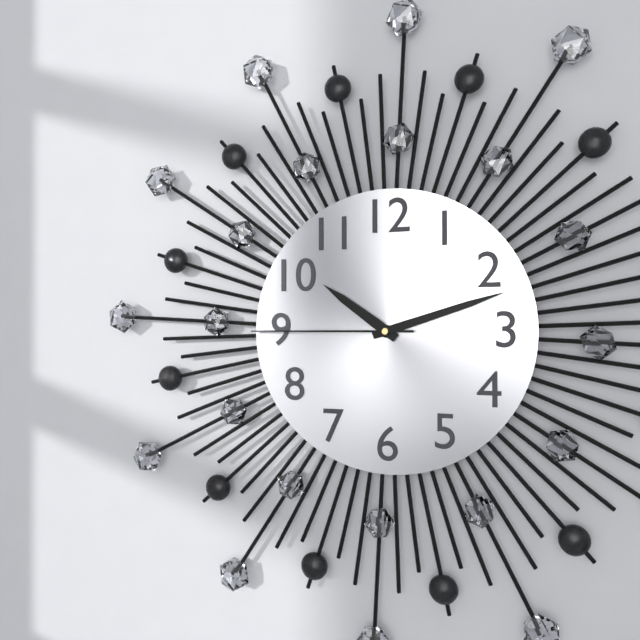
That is h=10 m=12 s=45
